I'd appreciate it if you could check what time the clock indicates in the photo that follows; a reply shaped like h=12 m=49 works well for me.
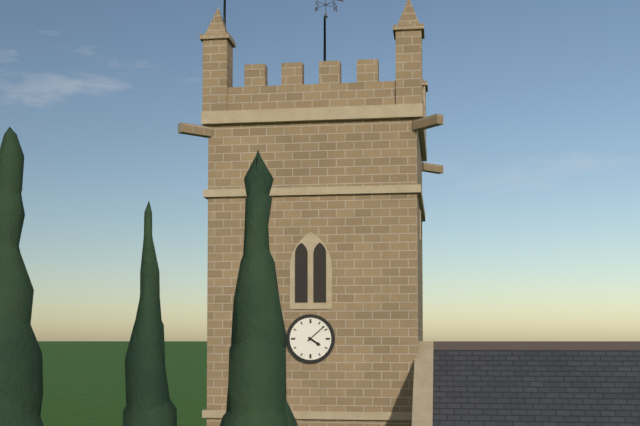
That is h=4 m=8
